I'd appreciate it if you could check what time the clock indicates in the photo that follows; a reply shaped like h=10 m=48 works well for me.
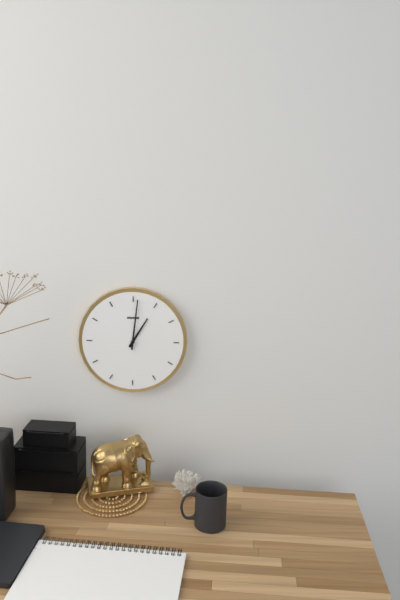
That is h=1 m=1
